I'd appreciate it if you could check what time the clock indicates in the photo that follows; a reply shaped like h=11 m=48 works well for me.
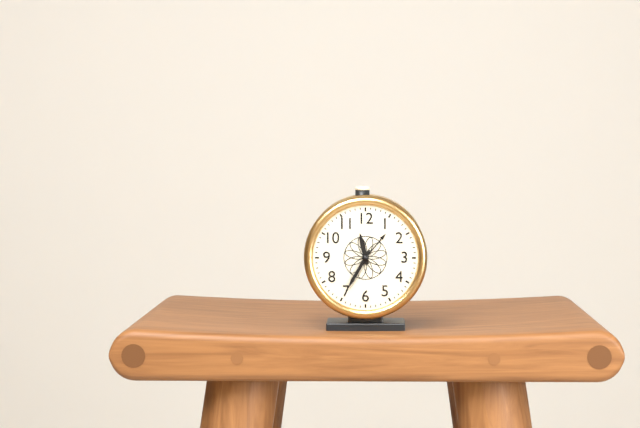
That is h=11 m=35
